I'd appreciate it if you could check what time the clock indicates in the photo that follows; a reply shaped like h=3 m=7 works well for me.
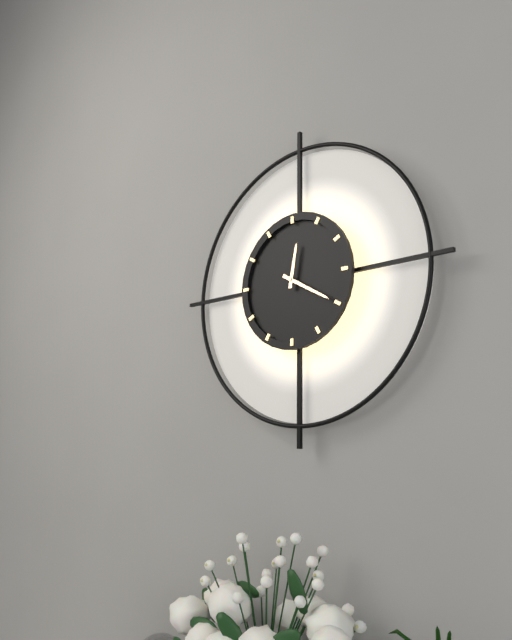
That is h=12 m=20
